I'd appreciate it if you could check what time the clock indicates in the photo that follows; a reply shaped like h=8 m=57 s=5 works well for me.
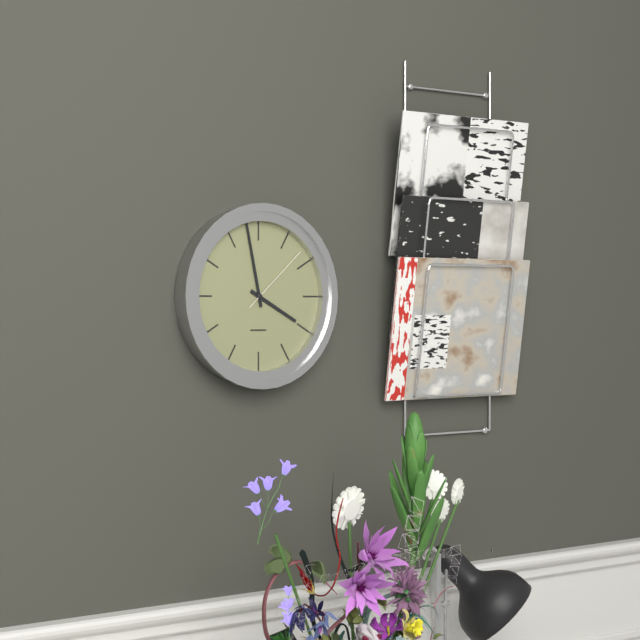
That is h=3 m=58 s=8
